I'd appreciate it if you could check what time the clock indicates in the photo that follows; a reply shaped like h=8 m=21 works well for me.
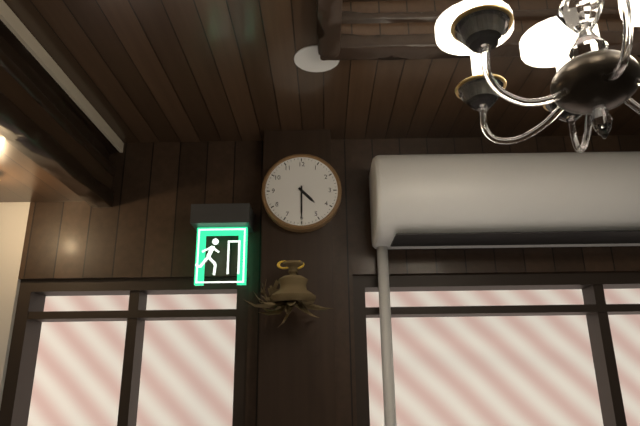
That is h=4 m=30
